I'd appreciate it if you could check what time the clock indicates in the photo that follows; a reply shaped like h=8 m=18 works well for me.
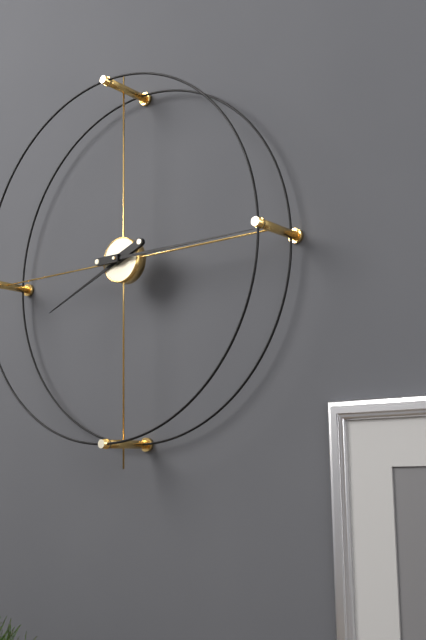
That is h=8 m=15
